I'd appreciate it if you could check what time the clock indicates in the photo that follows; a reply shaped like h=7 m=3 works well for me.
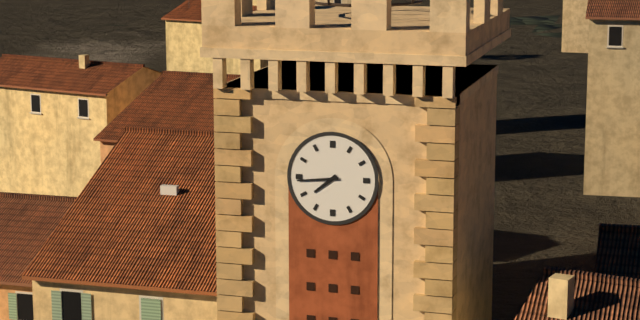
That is h=7 m=44
